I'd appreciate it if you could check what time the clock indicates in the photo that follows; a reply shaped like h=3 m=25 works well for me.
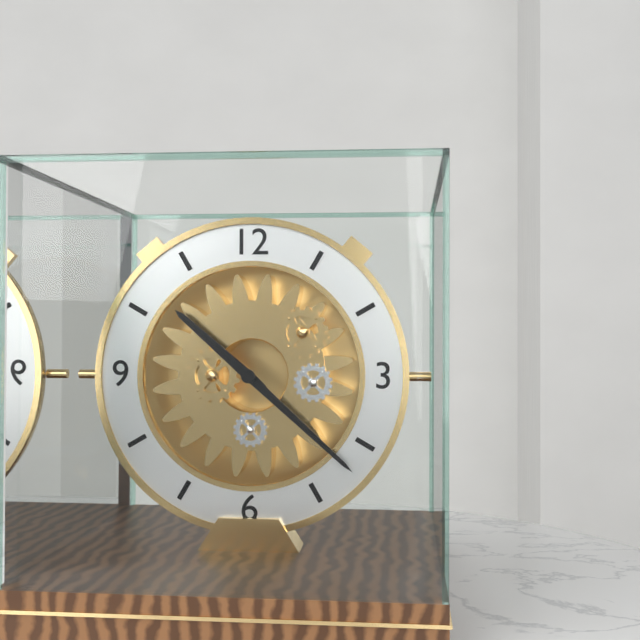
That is h=10 m=22
